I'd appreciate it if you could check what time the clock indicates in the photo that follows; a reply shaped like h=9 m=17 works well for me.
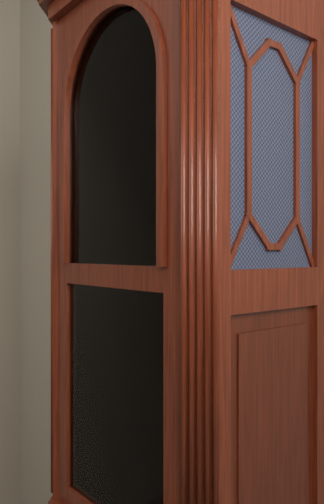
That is h=7 m=52
